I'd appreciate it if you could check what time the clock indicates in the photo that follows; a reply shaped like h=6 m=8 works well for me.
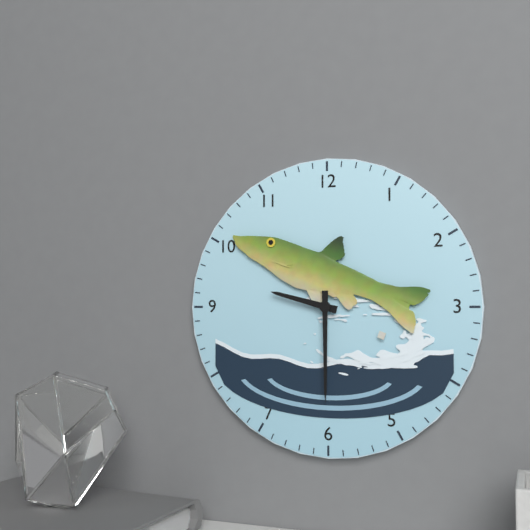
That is h=9 m=30
